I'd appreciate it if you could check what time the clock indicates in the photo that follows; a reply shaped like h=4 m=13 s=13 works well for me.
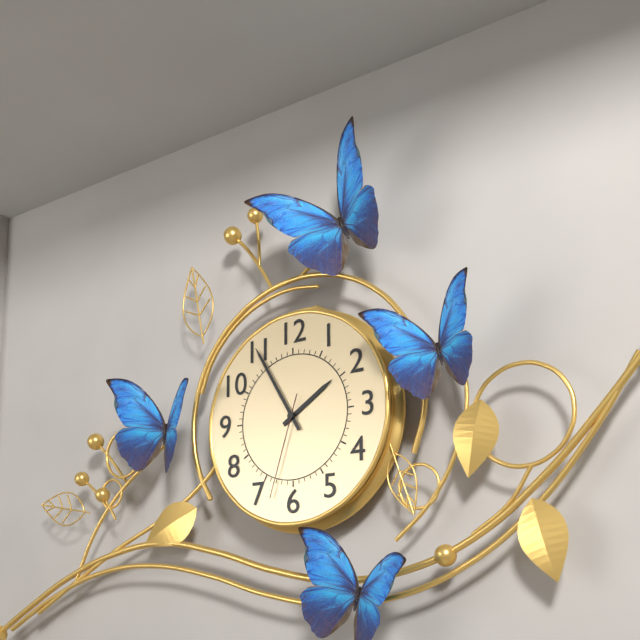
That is h=1 m=55 s=33
